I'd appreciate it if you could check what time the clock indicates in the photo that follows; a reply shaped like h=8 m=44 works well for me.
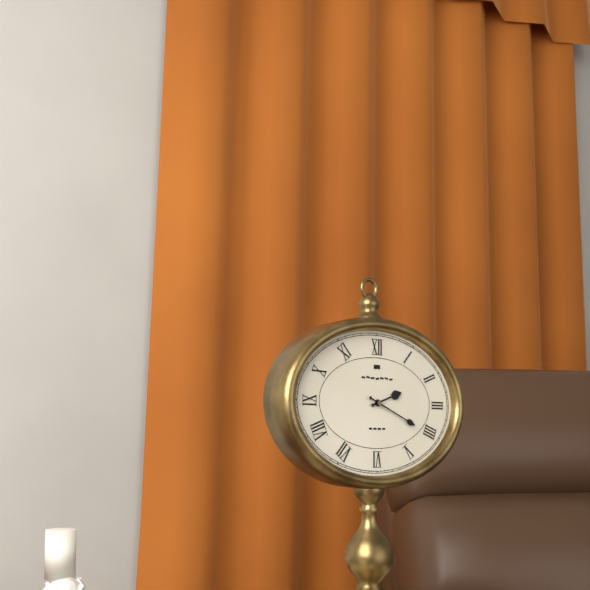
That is h=2 m=19
